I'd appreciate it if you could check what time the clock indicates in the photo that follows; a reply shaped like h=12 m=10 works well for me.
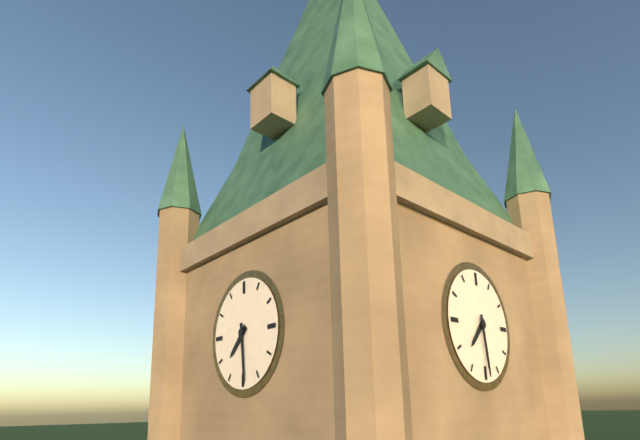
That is h=7 m=29
